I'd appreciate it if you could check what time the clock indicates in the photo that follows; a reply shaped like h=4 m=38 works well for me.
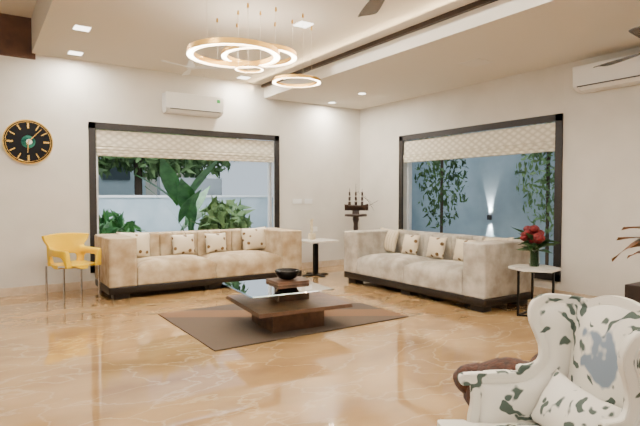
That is h=6 m=7
